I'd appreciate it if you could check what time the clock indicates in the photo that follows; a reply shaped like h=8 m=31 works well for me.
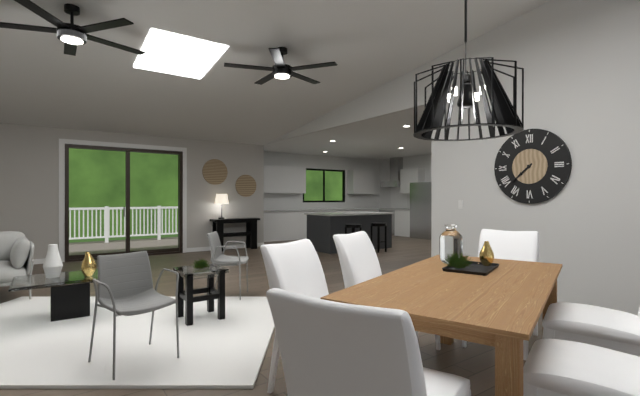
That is h=7 m=38
